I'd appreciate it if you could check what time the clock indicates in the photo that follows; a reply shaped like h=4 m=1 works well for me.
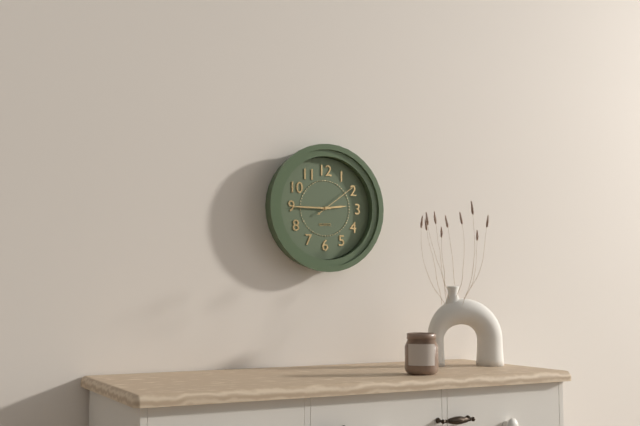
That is h=2 m=45
